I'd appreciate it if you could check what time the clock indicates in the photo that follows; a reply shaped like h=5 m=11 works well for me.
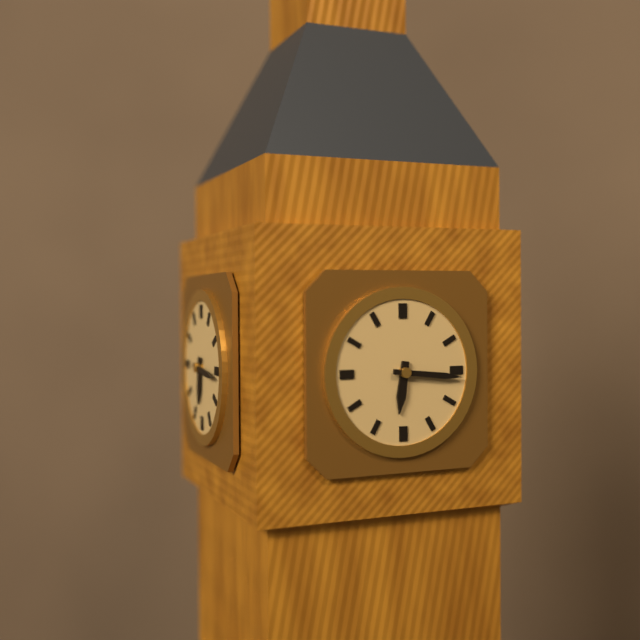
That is h=6 m=16
